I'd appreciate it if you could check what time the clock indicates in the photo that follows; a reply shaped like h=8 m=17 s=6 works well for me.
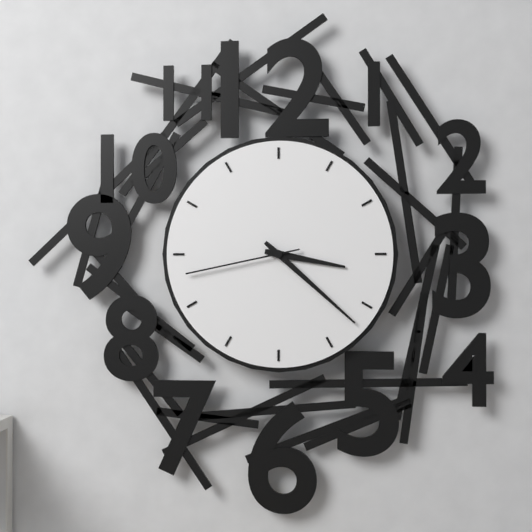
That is h=3 m=22 s=43
